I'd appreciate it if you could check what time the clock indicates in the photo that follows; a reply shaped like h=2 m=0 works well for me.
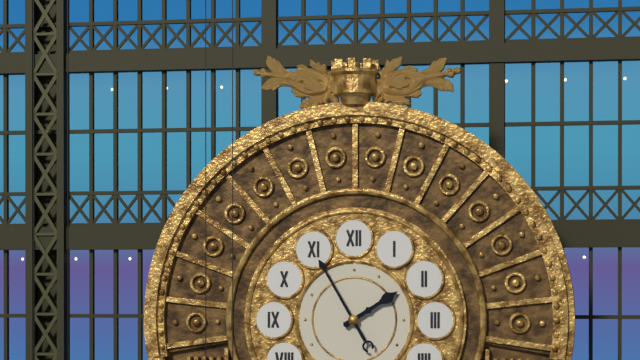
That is h=1 m=55
